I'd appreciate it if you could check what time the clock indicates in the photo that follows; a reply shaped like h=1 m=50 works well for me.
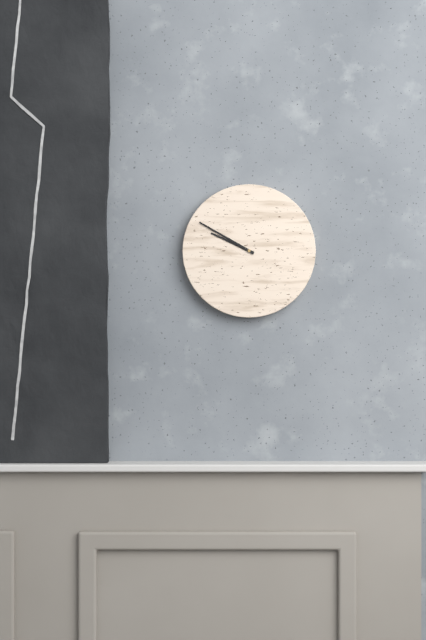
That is h=9 m=50
